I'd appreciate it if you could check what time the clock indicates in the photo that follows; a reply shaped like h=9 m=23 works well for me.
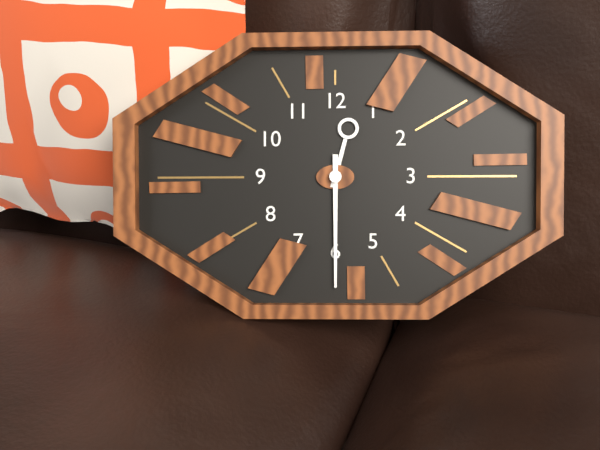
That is h=12 m=30
